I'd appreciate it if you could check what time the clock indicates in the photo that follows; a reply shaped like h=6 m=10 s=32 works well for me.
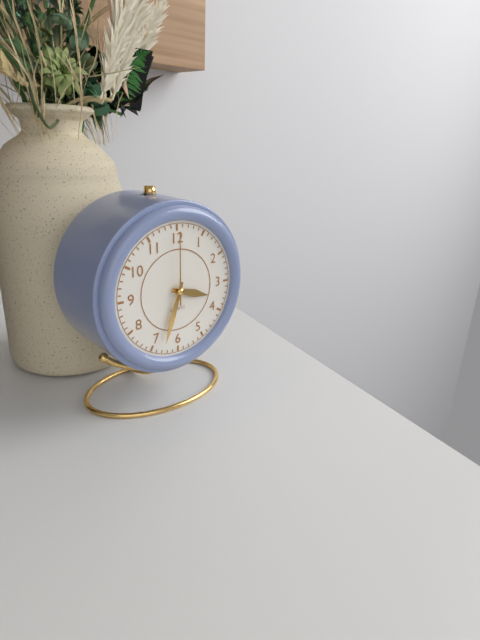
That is h=3 m=33 s=0
